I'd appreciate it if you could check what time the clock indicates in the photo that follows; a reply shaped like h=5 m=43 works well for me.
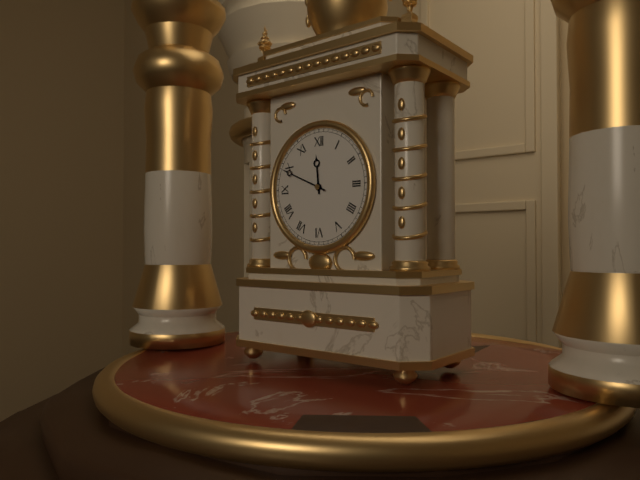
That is h=11 m=49
